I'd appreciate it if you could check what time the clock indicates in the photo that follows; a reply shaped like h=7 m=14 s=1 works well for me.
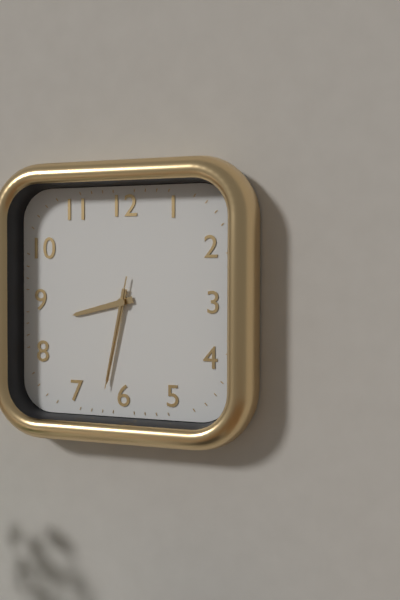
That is h=8 m=32 s=32
